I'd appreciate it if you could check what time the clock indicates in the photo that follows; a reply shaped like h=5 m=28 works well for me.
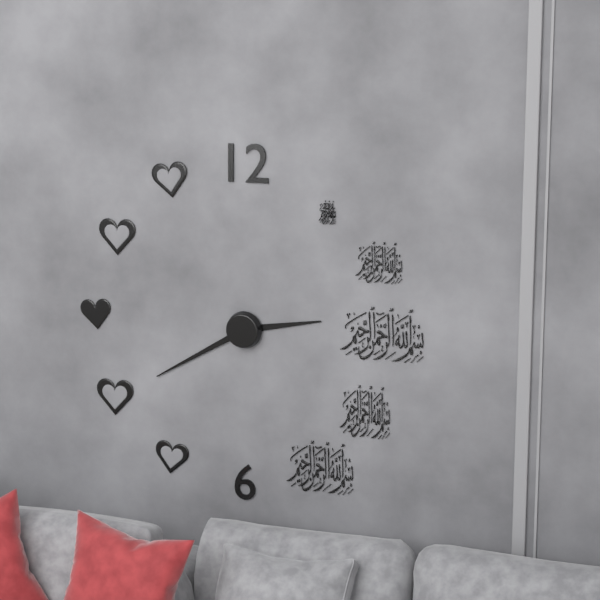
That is h=2 m=40
